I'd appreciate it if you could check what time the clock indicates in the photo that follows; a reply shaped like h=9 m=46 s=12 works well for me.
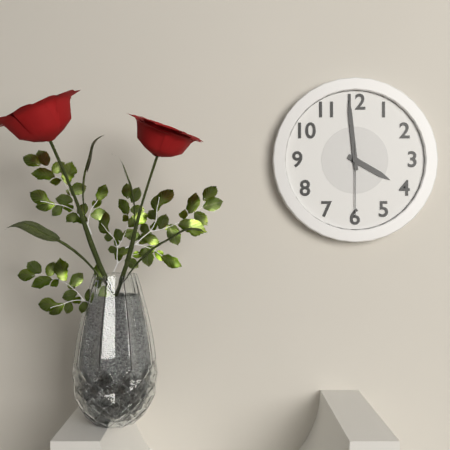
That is h=3 m=59 s=30
